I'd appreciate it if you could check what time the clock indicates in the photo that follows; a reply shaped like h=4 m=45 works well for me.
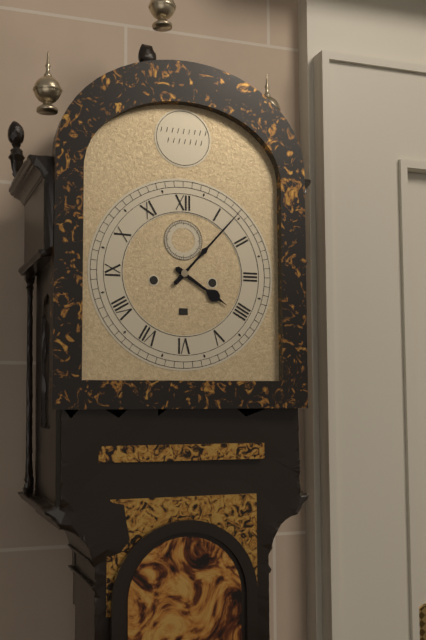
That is h=4 m=7
